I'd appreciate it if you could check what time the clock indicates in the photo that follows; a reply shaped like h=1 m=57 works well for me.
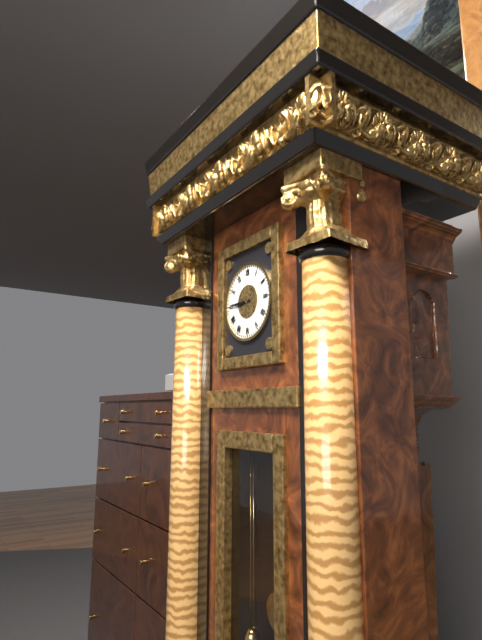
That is h=8 m=45
